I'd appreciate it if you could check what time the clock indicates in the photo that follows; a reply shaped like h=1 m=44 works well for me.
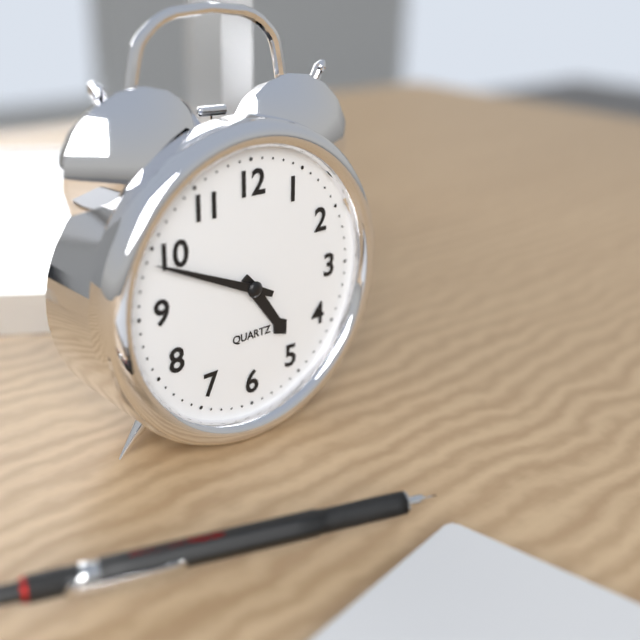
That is h=4 m=49
